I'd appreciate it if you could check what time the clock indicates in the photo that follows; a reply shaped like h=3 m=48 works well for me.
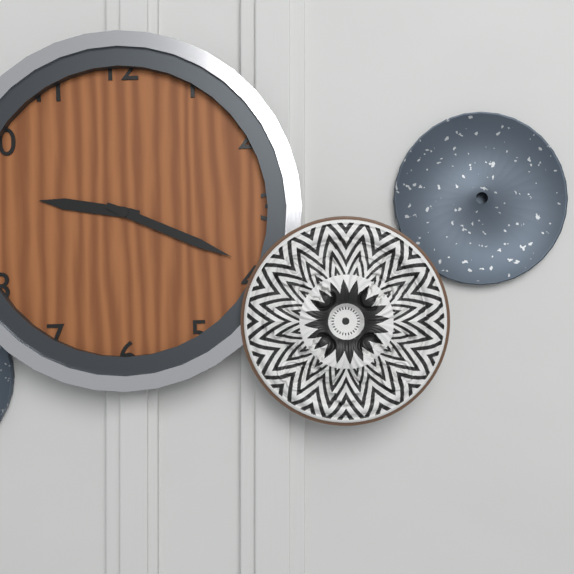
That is h=9 m=19
